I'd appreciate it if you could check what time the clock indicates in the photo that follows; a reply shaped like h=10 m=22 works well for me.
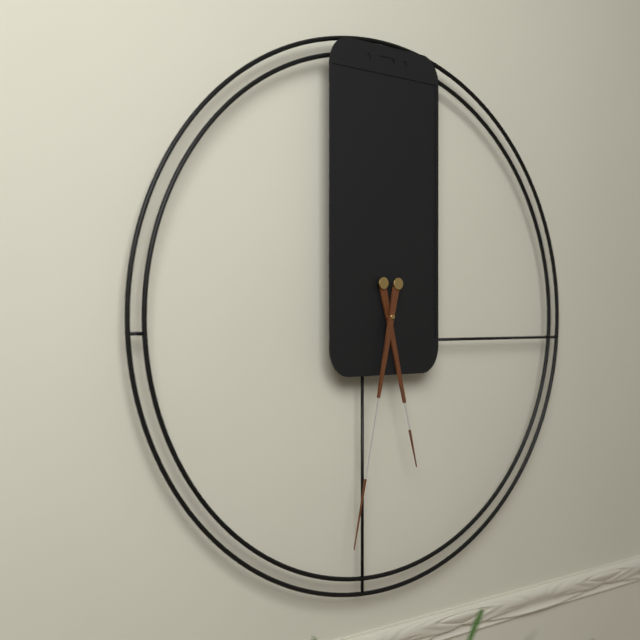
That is h=5 m=32
